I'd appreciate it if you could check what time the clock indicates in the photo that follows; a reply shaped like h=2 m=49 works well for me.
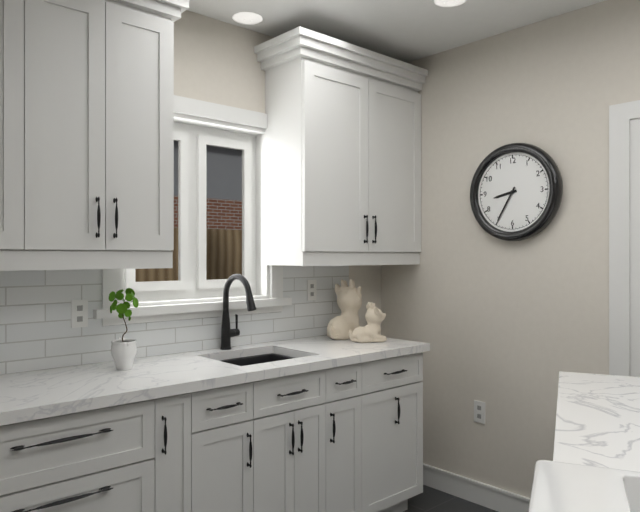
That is h=8 m=35
